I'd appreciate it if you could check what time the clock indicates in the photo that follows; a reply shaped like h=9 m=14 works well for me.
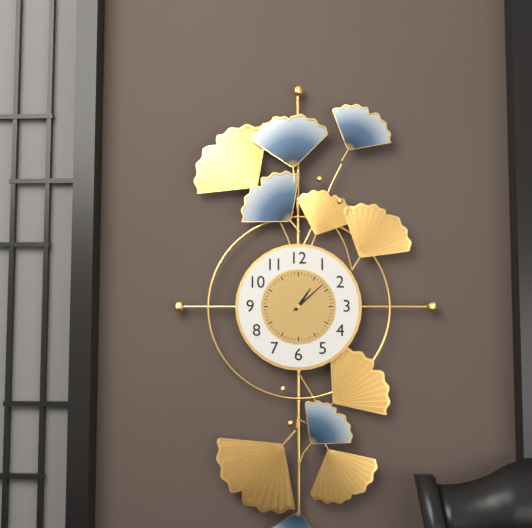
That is h=1 m=8
